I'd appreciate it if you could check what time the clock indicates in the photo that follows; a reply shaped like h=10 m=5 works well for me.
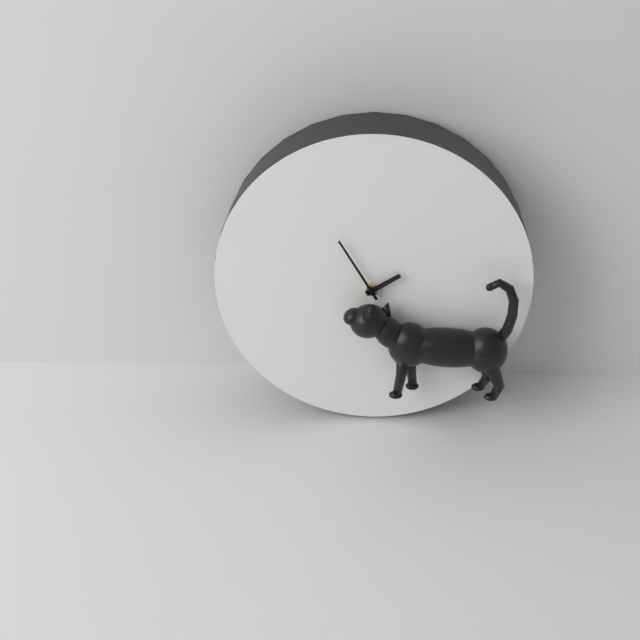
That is h=1 m=55
